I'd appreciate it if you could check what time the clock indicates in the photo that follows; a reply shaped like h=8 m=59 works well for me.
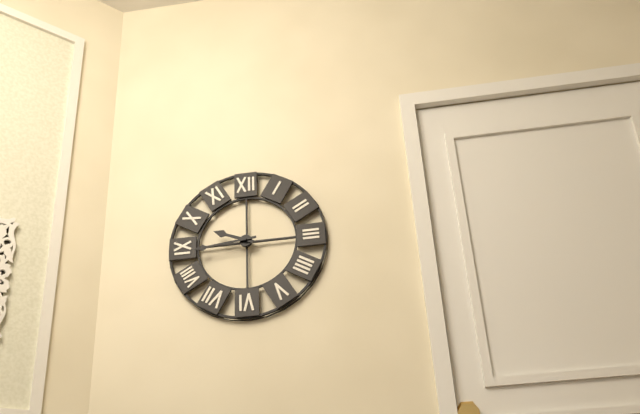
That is h=9 m=44
